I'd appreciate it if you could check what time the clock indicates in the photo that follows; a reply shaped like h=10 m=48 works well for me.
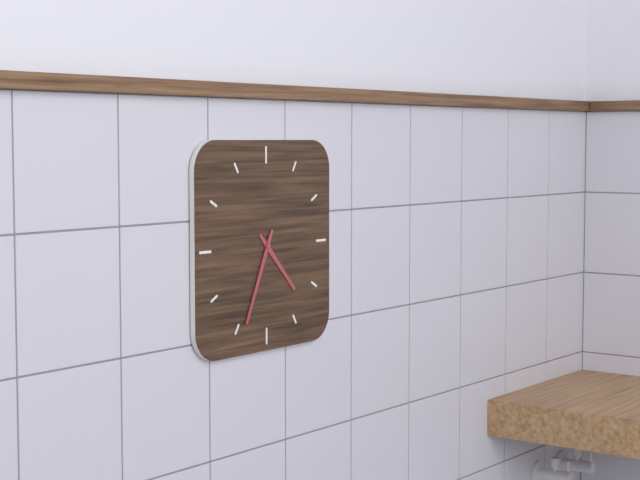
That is h=4 m=34
